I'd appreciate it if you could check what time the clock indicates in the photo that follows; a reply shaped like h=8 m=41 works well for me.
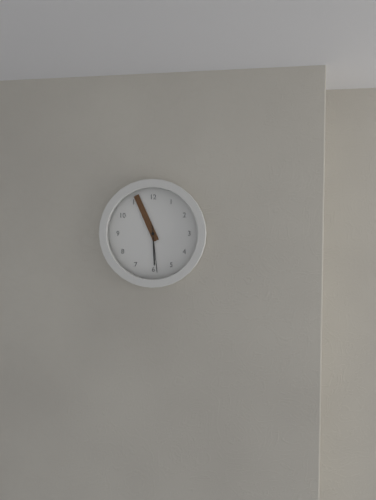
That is h=5 m=56
